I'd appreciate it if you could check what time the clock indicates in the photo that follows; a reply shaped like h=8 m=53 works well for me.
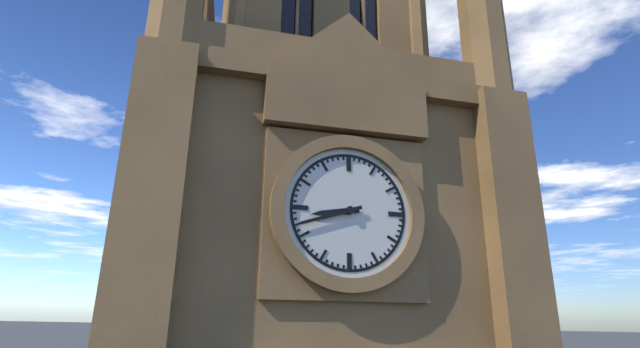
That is h=8 m=42
